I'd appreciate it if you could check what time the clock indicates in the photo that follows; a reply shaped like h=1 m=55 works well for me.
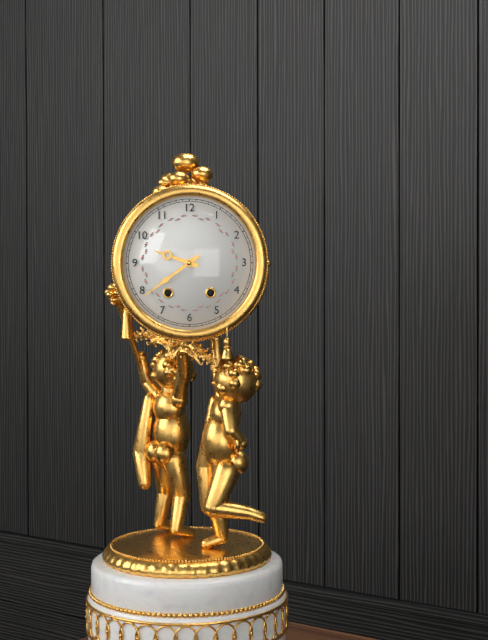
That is h=9 m=39
